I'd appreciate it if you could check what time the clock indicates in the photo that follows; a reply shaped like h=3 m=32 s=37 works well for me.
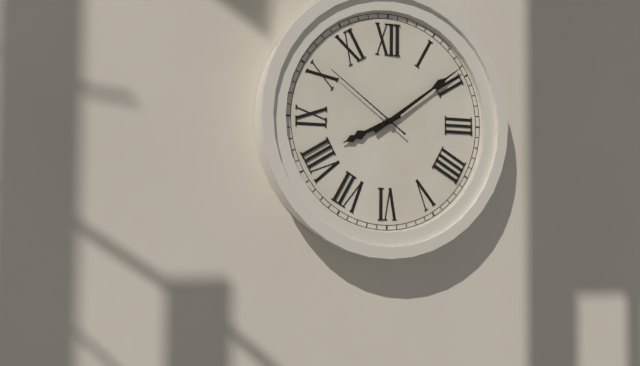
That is h=8 m=9 s=51
